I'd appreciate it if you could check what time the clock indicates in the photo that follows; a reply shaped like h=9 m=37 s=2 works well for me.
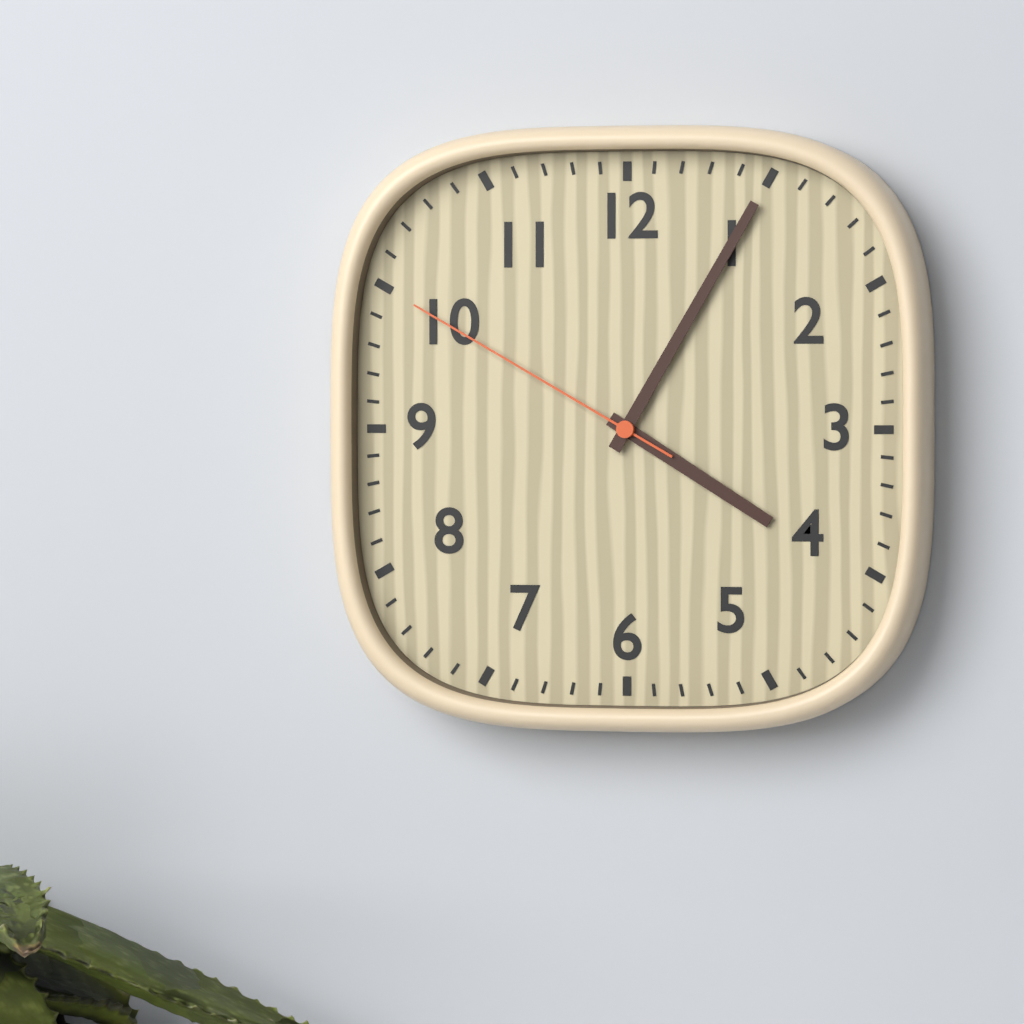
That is h=4 m=5 s=50
